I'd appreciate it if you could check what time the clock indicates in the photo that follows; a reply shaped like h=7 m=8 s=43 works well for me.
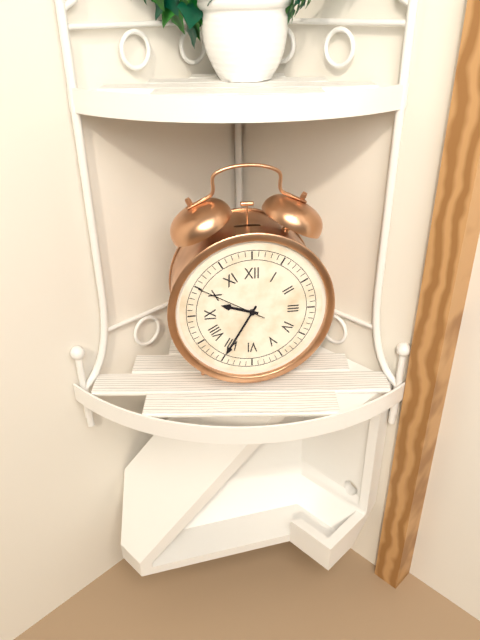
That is h=9 m=35 s=50
